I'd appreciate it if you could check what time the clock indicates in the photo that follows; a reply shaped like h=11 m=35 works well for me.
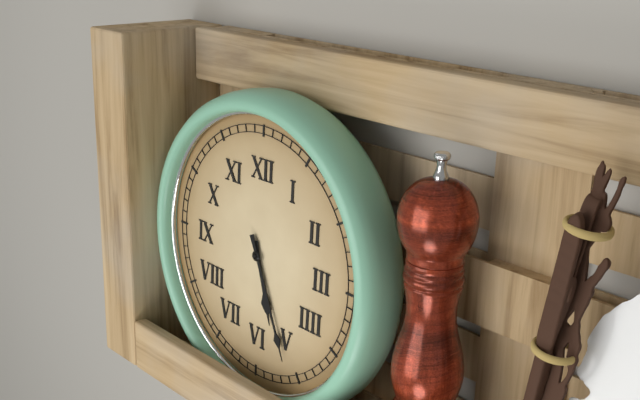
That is h=5 m=26
